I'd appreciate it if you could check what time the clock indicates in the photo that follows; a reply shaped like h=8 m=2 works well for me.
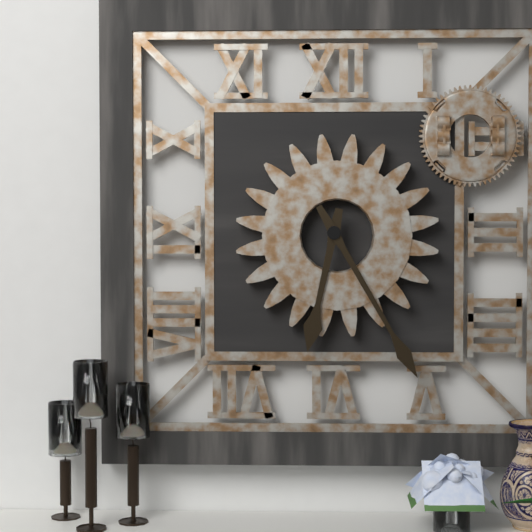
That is h=6 m=25
